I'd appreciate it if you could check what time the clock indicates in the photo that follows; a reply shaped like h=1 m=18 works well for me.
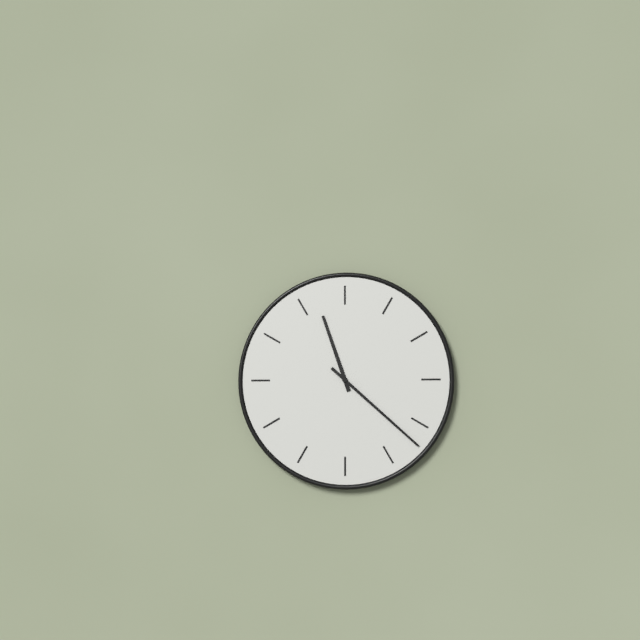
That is h=11 m=22
